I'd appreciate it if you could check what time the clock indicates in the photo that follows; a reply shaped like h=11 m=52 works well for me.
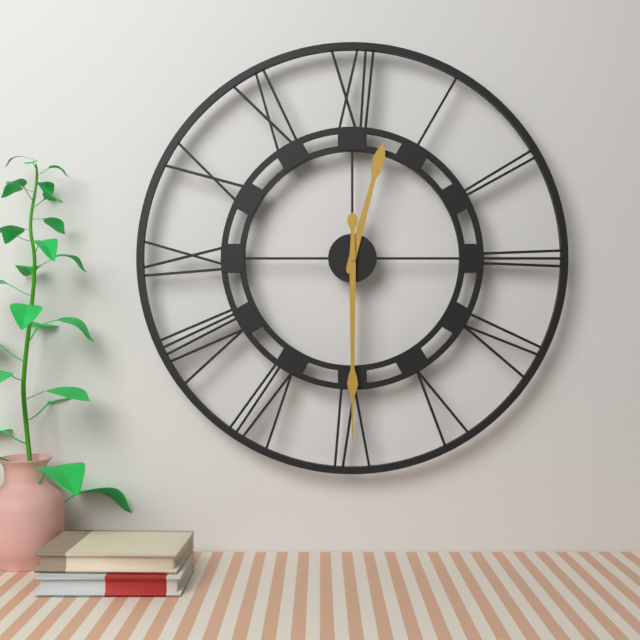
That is h=12 m=30
